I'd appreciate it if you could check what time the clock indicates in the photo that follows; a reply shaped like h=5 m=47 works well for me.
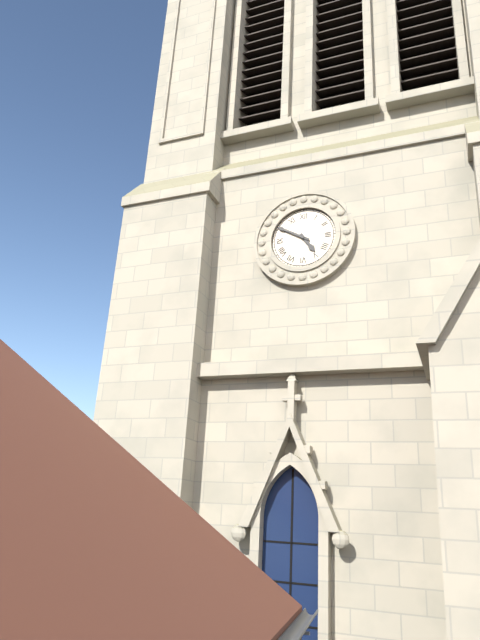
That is h=4 m=50
